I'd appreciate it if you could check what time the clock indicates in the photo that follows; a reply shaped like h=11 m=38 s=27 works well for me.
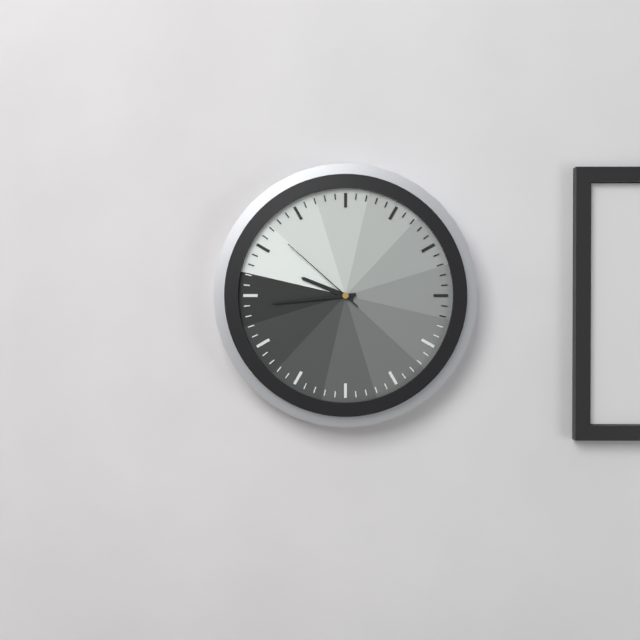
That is h=9 m=44 s=52
